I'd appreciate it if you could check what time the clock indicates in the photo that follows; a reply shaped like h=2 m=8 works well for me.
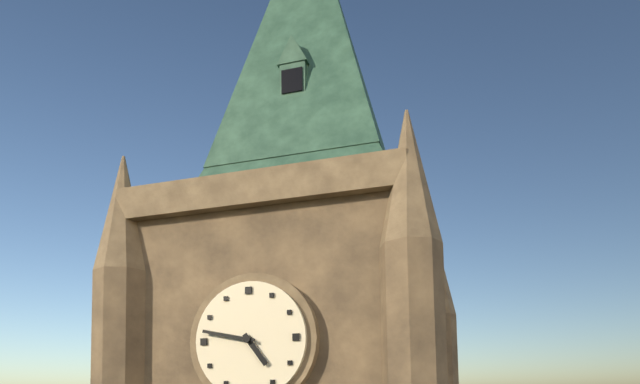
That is h=4 m=47
